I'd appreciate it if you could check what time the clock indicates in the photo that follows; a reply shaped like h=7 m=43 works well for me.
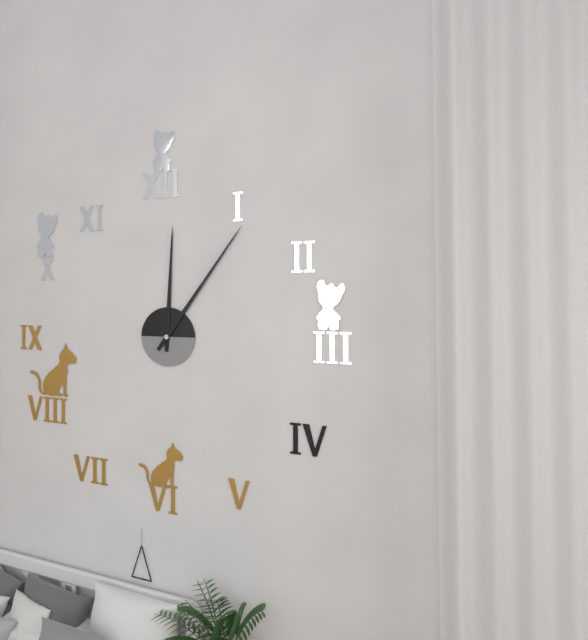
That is h=12 m=6
